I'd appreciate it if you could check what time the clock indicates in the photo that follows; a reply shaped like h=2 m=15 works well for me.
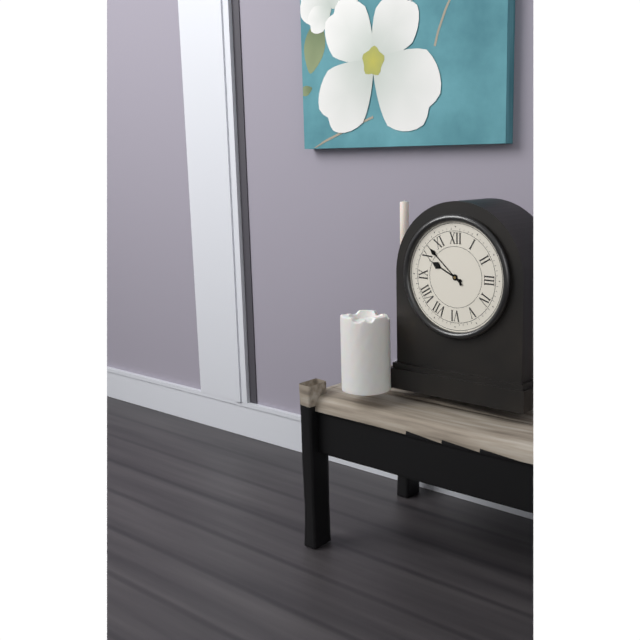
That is h=9 m=52
